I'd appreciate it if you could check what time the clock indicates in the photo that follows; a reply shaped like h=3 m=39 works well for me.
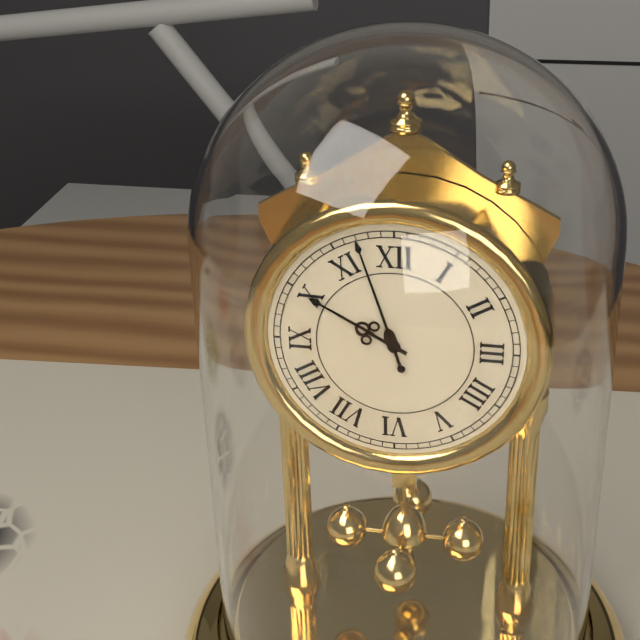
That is h=9 m=57
